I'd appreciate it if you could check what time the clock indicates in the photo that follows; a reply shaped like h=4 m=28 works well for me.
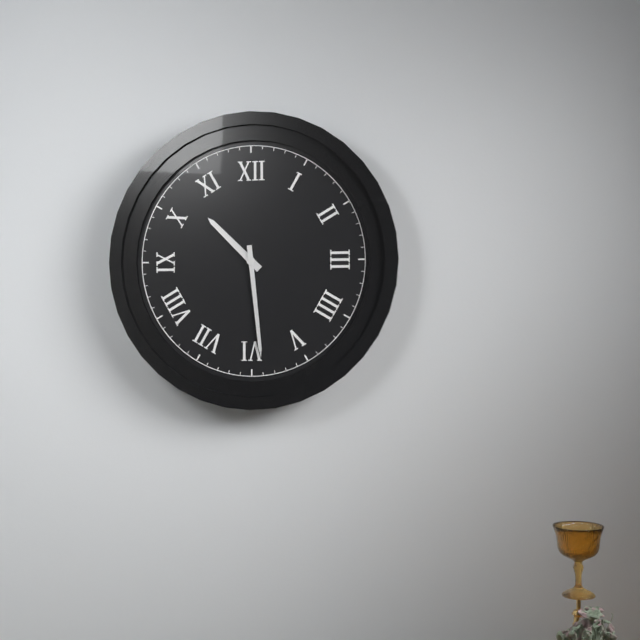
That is h=10 m=29
